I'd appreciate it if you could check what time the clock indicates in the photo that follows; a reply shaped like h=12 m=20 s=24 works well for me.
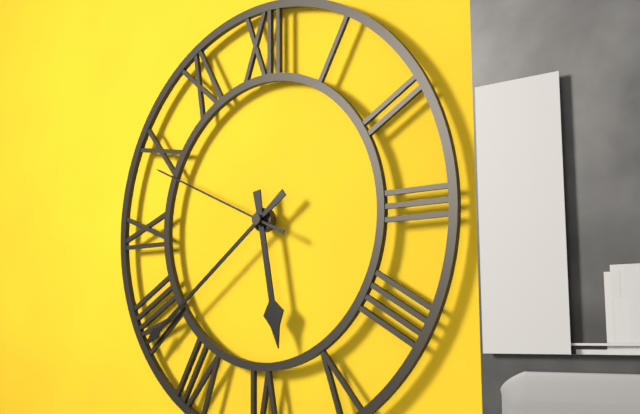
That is h=5 m=39 s=49
